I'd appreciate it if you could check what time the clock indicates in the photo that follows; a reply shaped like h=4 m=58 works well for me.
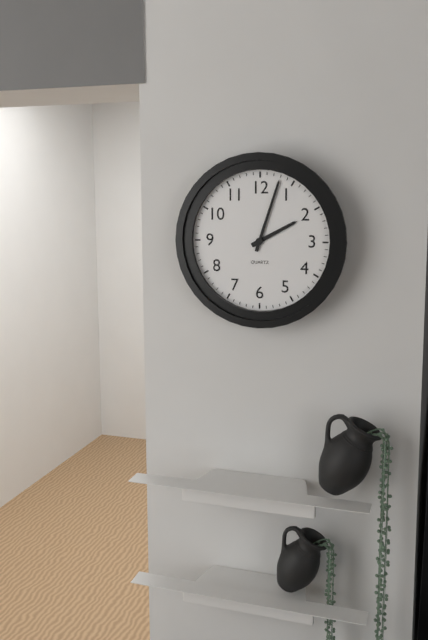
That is h=2 m=3
